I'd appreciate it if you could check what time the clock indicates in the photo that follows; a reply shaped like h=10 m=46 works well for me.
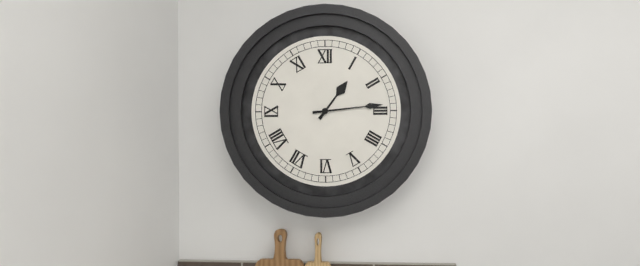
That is h=1 m=14
